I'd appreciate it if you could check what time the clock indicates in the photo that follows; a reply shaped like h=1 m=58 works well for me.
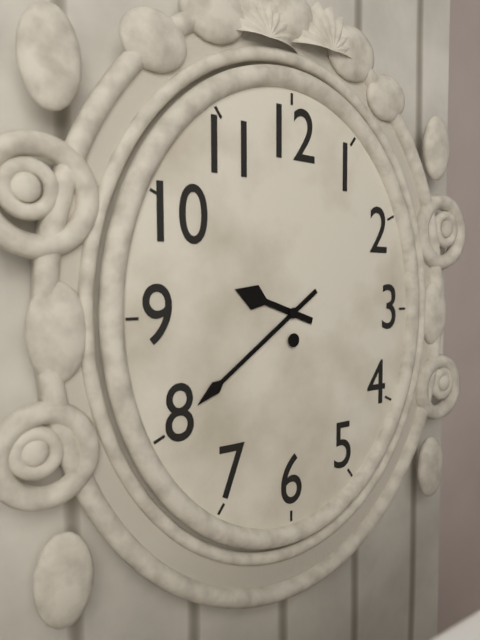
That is h=9 m=39
